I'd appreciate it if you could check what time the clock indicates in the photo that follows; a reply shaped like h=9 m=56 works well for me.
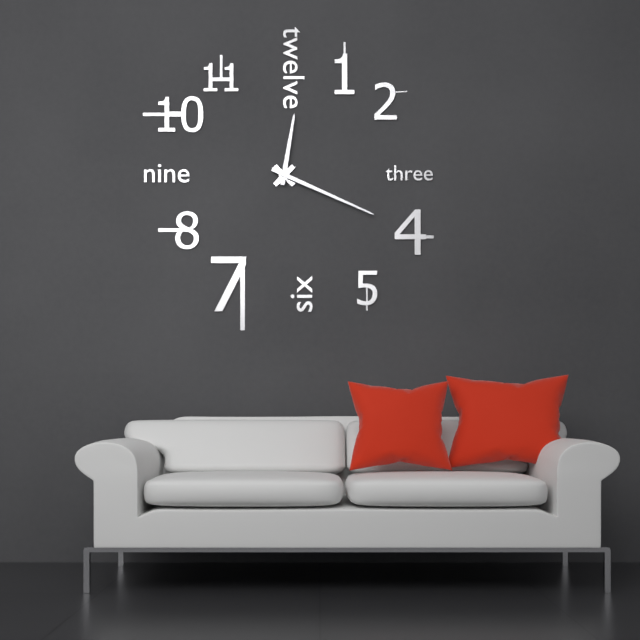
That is h=12 m=19
